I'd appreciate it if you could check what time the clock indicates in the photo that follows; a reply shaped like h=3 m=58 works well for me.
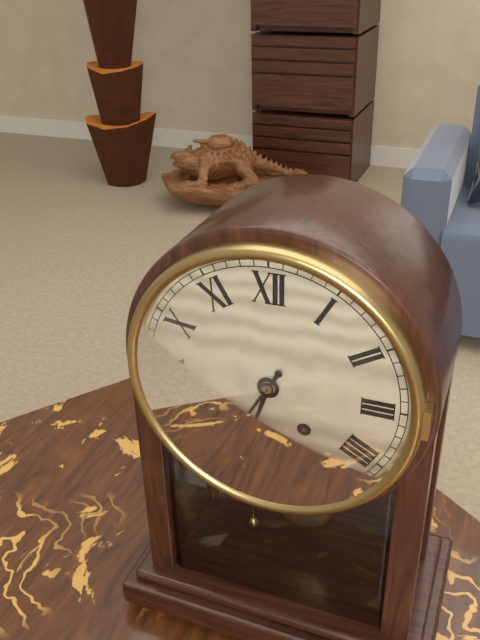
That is h=6 m=35
